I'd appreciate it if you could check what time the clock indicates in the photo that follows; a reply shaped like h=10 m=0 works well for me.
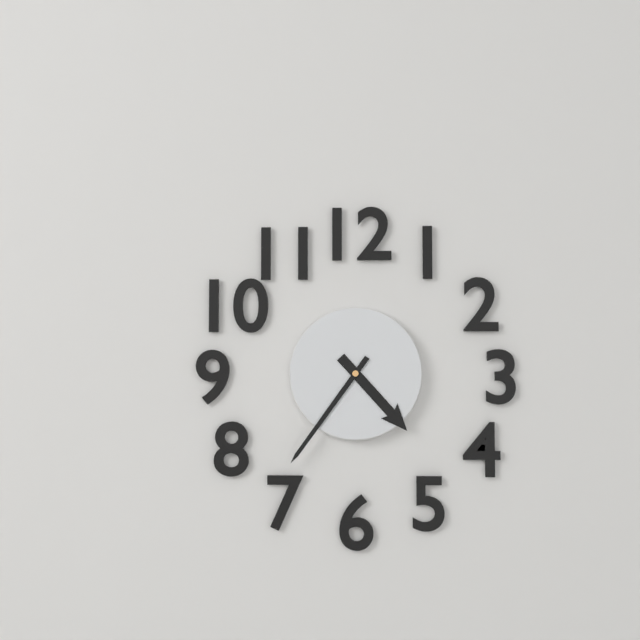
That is h=4 m=36
